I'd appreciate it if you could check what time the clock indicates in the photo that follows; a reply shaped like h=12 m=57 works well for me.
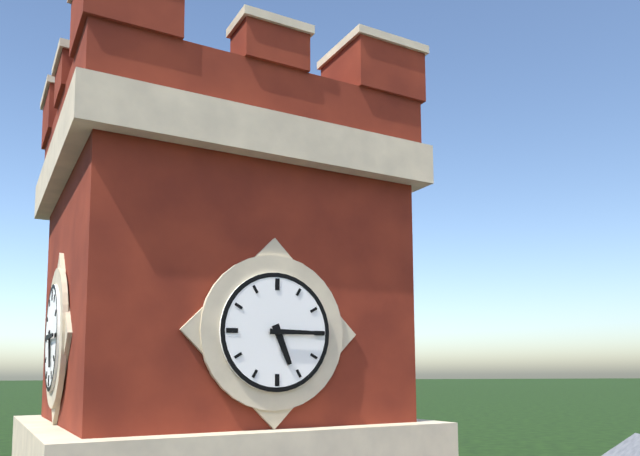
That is h=5 m=15
